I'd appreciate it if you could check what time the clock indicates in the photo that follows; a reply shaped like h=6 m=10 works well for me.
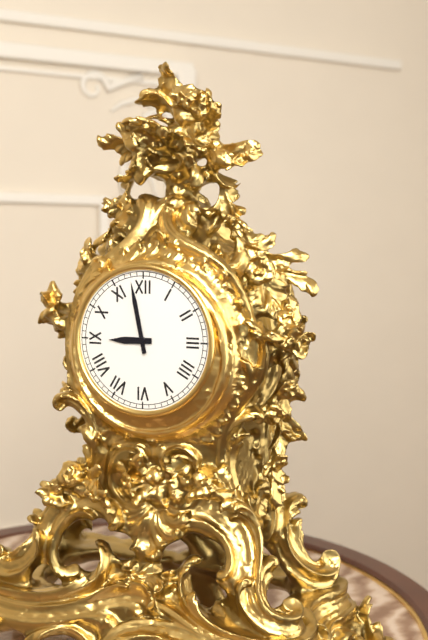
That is h=8 m=58
